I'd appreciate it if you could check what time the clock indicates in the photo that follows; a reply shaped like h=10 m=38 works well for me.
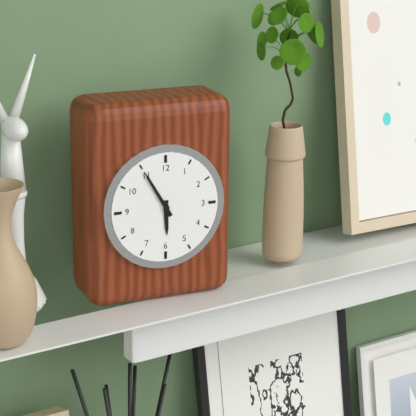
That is h=5 m=55
